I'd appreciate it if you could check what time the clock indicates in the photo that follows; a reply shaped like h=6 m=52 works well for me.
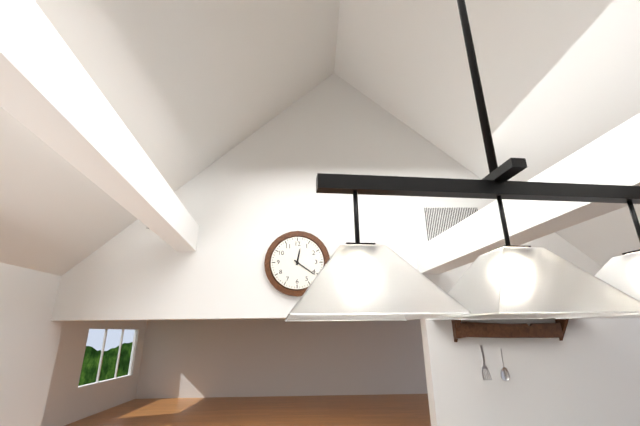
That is h=12 m=21
